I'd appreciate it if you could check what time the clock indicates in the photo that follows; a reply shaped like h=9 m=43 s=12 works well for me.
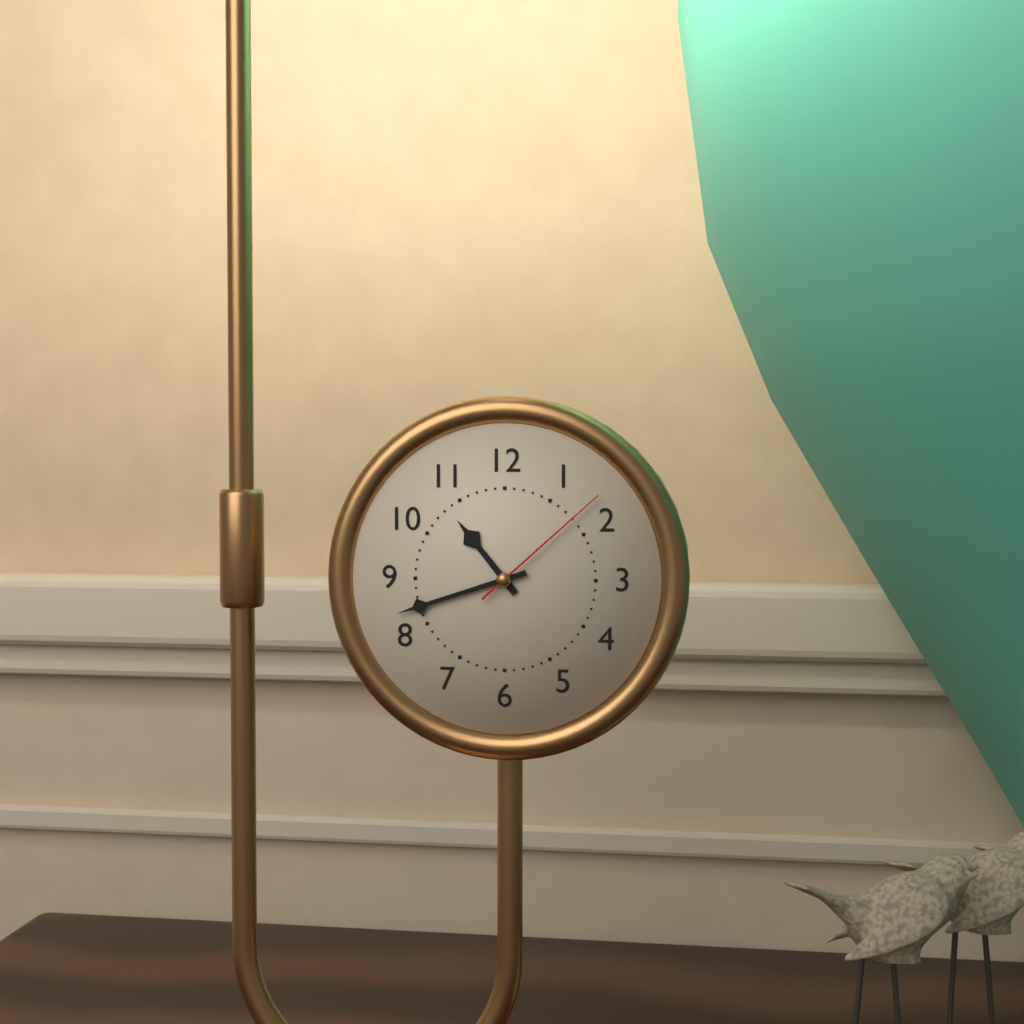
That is h=10 m=42 s=8
